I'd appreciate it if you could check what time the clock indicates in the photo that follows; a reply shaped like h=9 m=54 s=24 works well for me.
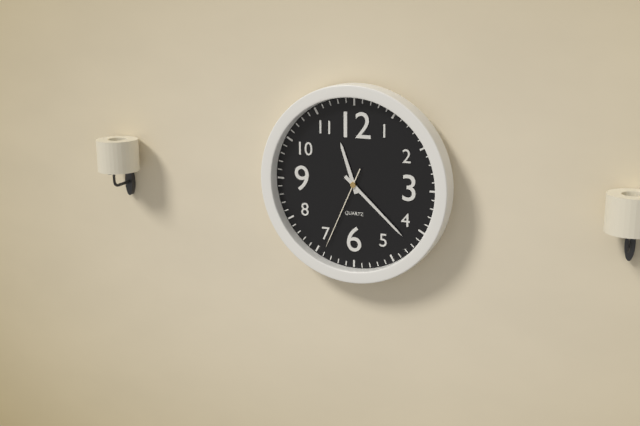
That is h=11 m=22 s=34
